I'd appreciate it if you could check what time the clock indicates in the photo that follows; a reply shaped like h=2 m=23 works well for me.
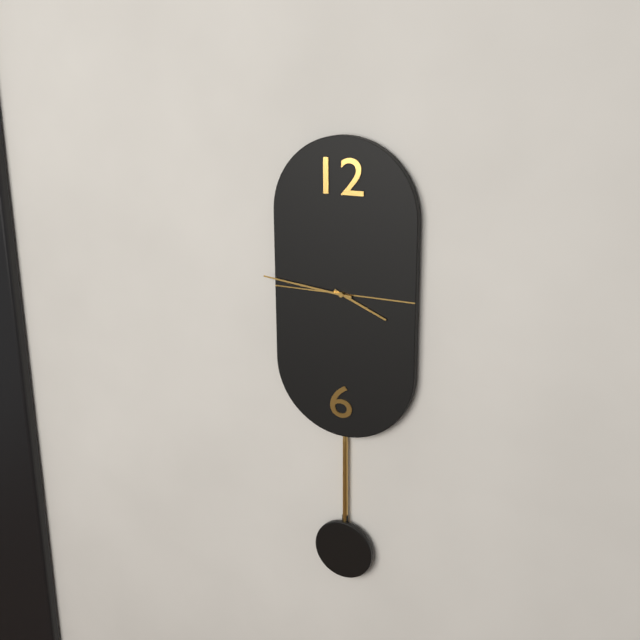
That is h=3 m=46
